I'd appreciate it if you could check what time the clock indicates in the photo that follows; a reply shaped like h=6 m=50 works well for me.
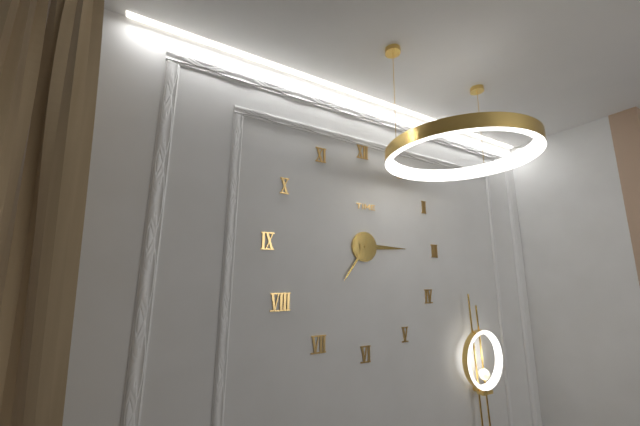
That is h=7 m=15
